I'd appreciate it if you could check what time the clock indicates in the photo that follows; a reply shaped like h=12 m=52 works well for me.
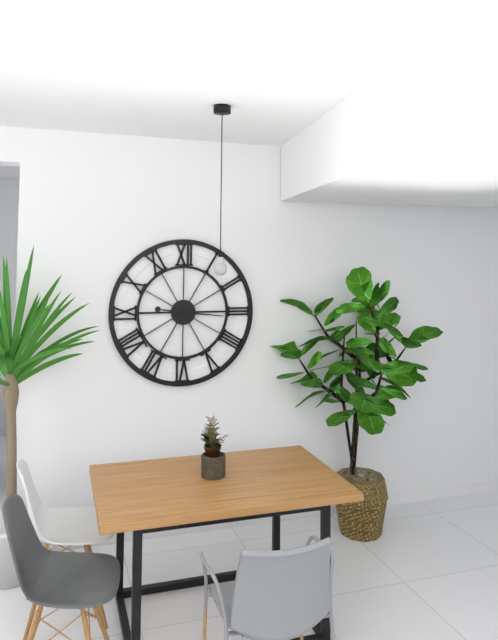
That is h=9 m=16
